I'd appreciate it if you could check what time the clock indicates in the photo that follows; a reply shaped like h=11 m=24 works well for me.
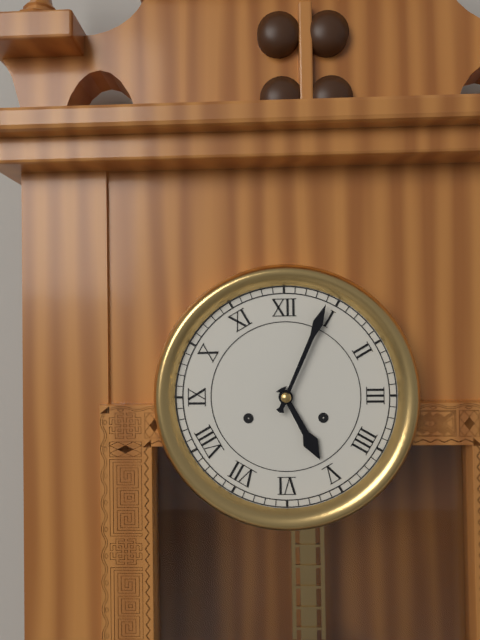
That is h=5 m=4
